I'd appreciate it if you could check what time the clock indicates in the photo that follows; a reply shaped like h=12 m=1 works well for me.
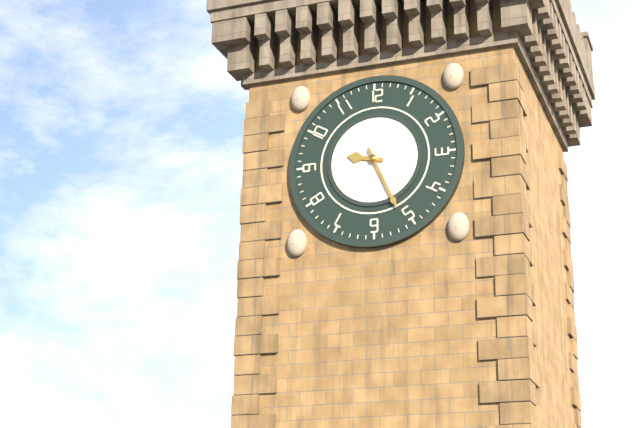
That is h=9 m=26
